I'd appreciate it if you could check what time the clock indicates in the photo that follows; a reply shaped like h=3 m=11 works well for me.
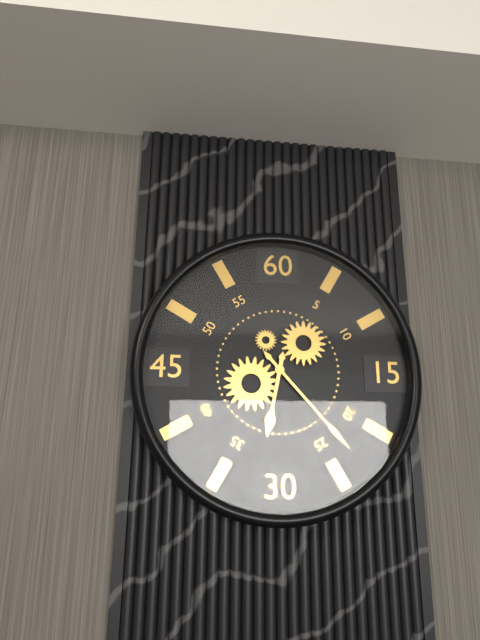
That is h=6 m=23
